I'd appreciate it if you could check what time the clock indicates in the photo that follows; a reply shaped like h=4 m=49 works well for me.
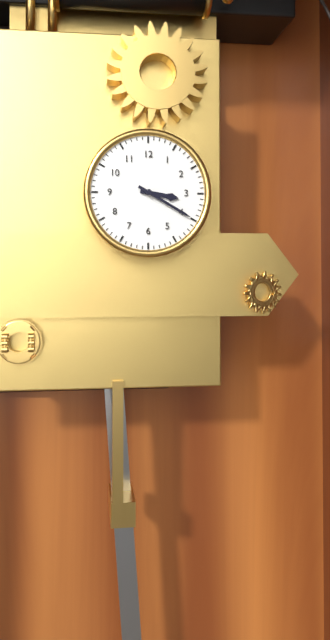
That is h=3 m=20
